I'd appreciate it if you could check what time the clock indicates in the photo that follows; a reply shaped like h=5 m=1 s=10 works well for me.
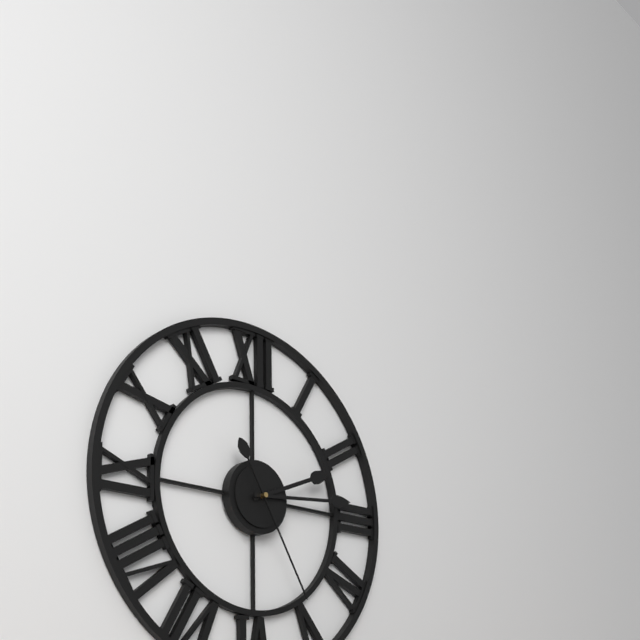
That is h=2 m=14 s=25
